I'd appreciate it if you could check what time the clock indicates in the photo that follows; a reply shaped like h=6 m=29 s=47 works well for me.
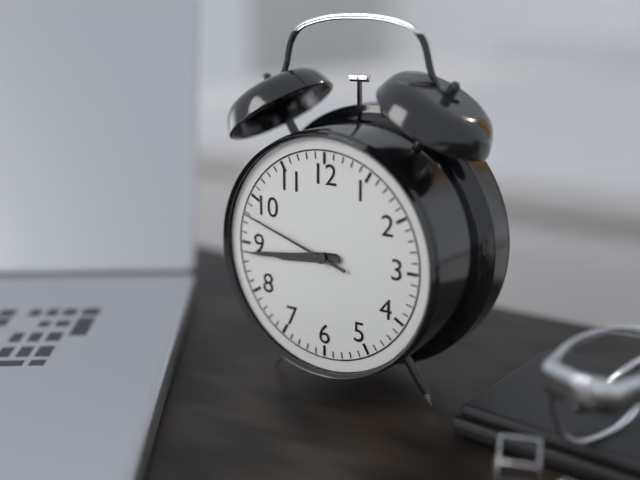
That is h=8 m=44 s=48
